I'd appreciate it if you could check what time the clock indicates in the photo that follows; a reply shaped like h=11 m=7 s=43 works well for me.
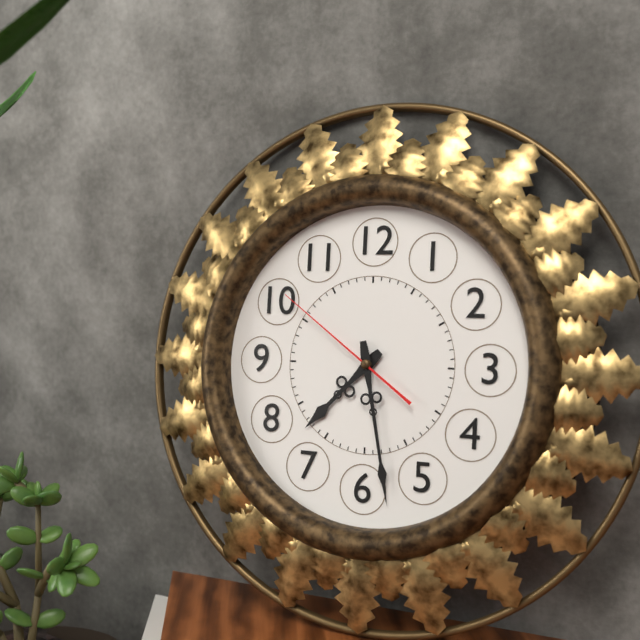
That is h=7 m=28 s=51
